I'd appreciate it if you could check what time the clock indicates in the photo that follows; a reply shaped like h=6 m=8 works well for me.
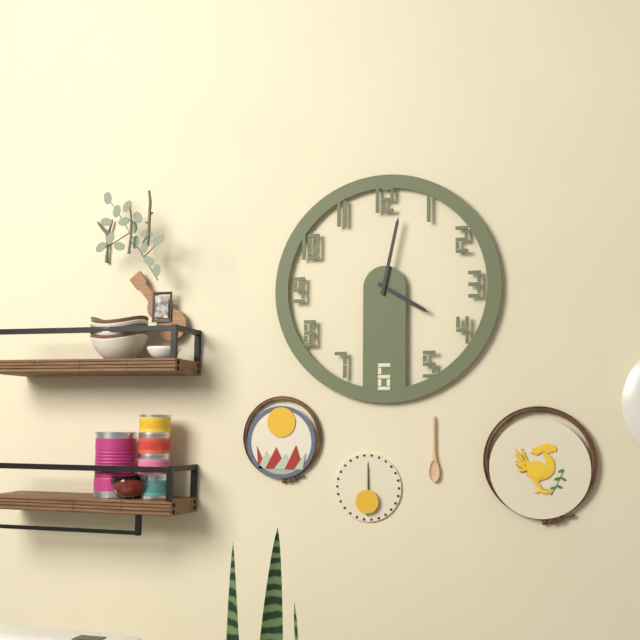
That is h=4 m=2
